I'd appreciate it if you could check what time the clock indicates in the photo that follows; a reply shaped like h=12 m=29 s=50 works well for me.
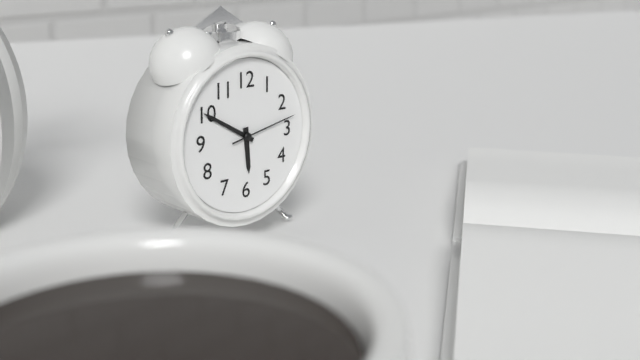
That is h=5 m=50 s=13
